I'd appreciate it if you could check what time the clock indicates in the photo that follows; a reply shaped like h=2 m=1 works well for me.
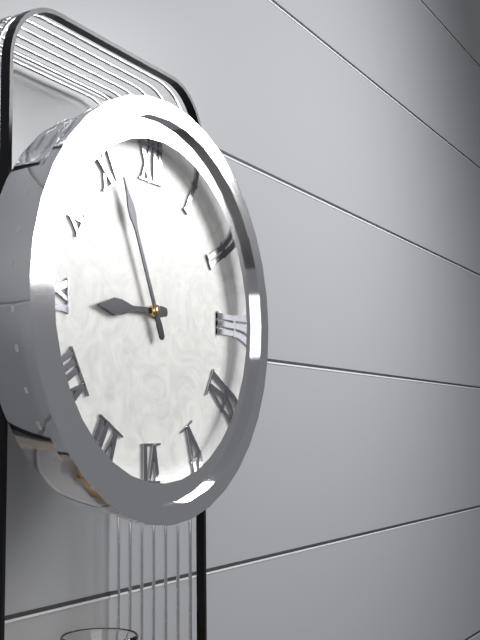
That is h=8 m=56
